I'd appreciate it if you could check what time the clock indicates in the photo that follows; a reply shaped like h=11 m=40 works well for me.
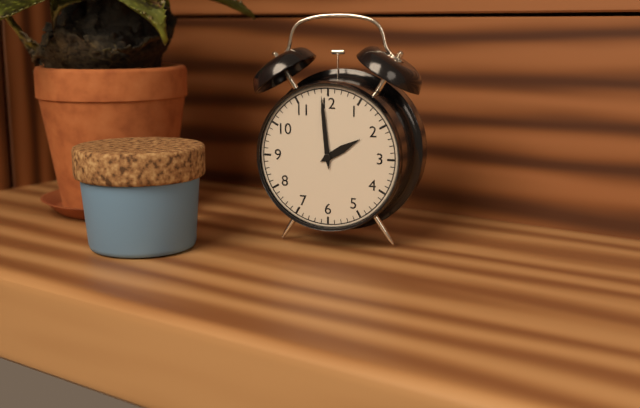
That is h=1 m=59
